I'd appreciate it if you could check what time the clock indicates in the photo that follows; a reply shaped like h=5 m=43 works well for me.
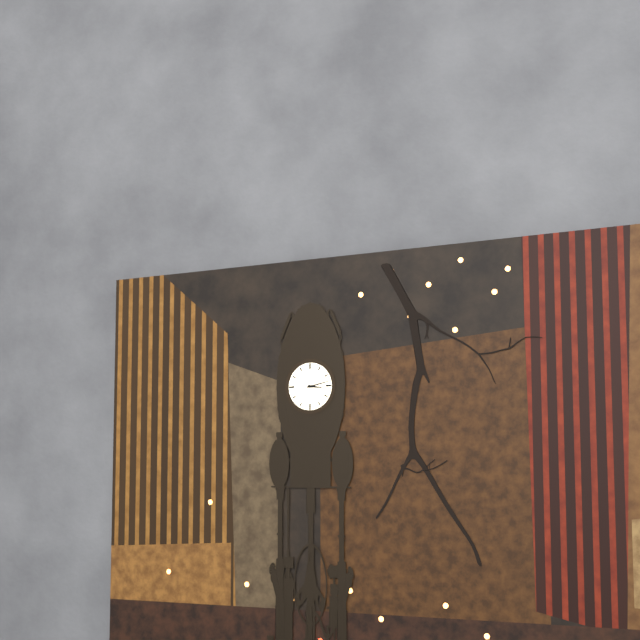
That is h=3 m=13
